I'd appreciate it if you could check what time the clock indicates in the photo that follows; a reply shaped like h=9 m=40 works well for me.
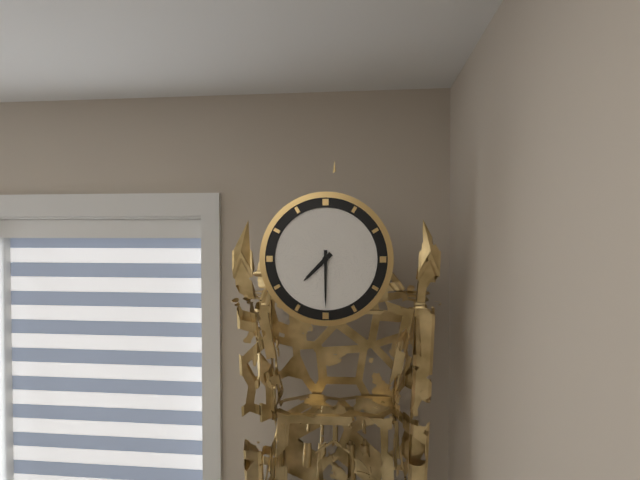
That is h=7 m=30
